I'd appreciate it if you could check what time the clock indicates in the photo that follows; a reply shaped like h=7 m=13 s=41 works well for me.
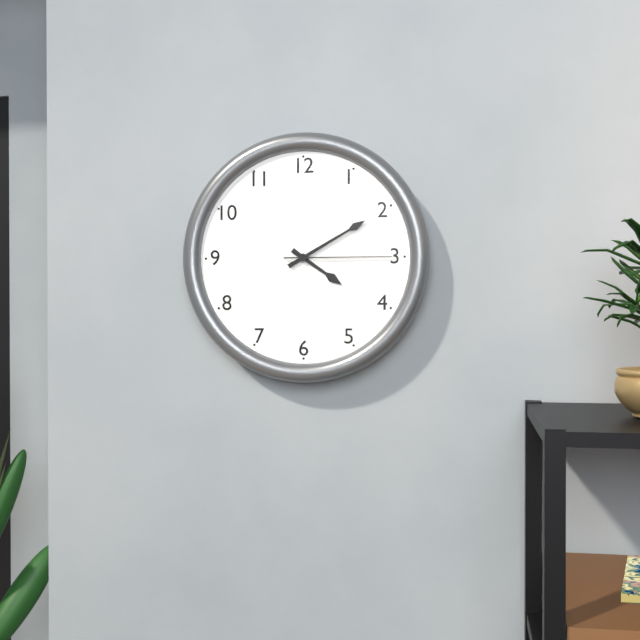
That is h=4 m=10 s=15
